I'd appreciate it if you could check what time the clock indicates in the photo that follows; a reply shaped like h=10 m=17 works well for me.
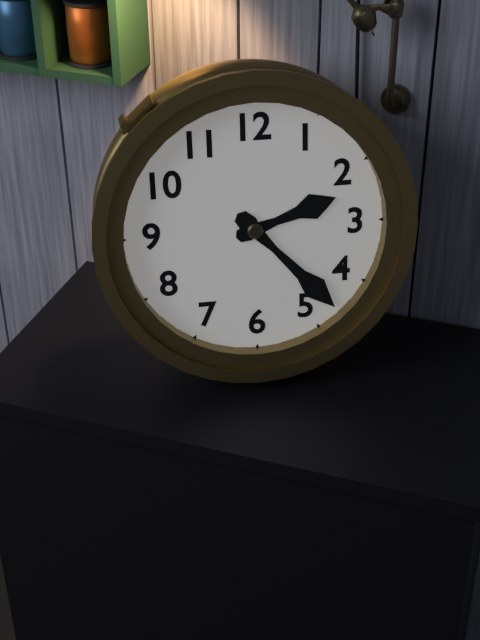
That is h=2 m=23
